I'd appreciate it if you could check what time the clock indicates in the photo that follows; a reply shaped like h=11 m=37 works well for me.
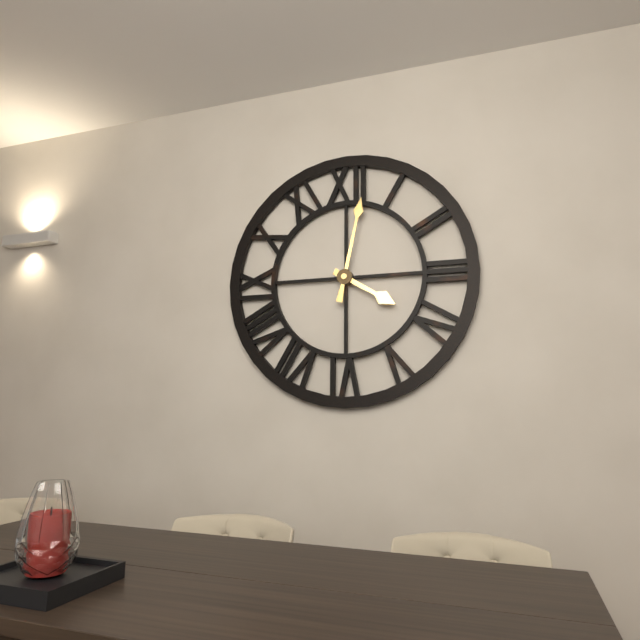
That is h=4 m=2
